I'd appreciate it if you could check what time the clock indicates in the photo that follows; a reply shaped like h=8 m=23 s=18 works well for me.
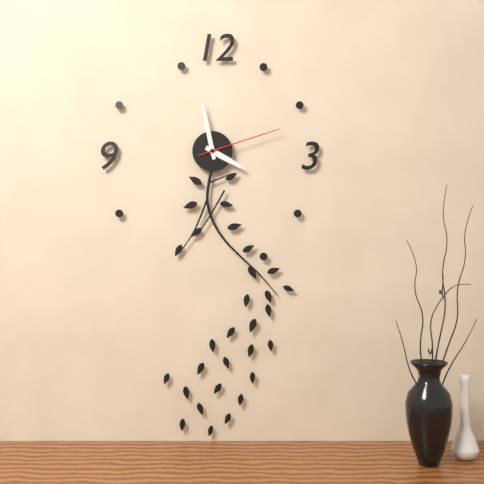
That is h=3 m=58 s=12
